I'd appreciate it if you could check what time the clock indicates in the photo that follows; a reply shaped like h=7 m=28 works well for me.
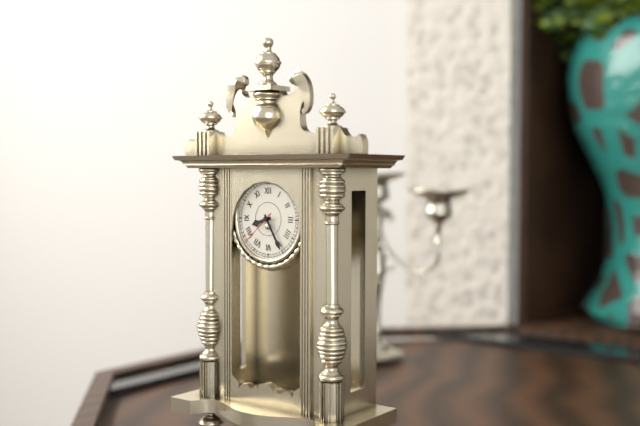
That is h=8 m=25
